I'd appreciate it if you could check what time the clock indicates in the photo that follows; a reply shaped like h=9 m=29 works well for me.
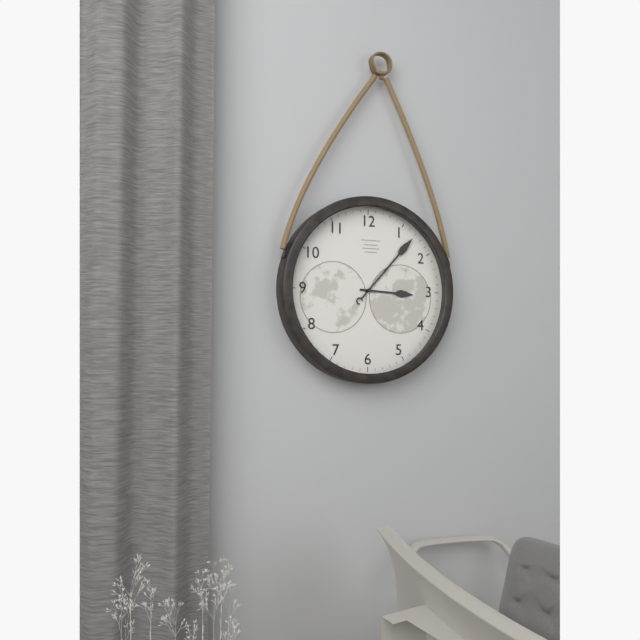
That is h=3 m=7
